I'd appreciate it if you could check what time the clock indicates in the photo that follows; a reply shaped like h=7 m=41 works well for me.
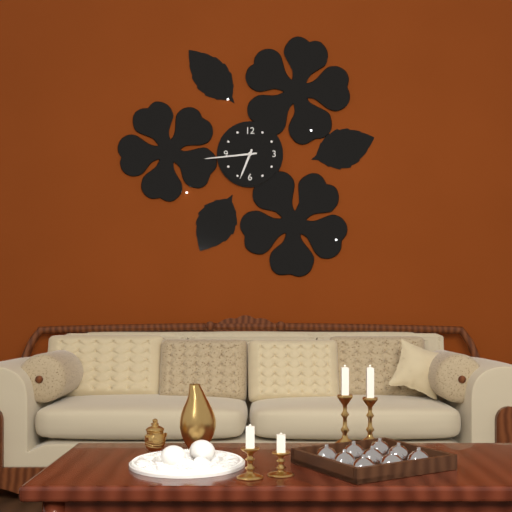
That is h=6 m=44
